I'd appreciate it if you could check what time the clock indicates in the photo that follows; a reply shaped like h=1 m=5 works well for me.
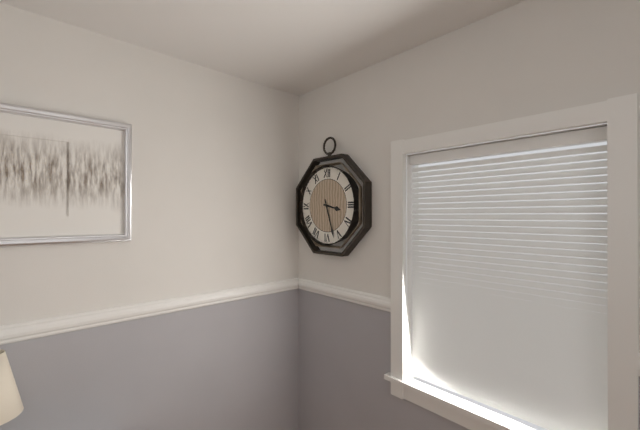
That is h=3 m=27
